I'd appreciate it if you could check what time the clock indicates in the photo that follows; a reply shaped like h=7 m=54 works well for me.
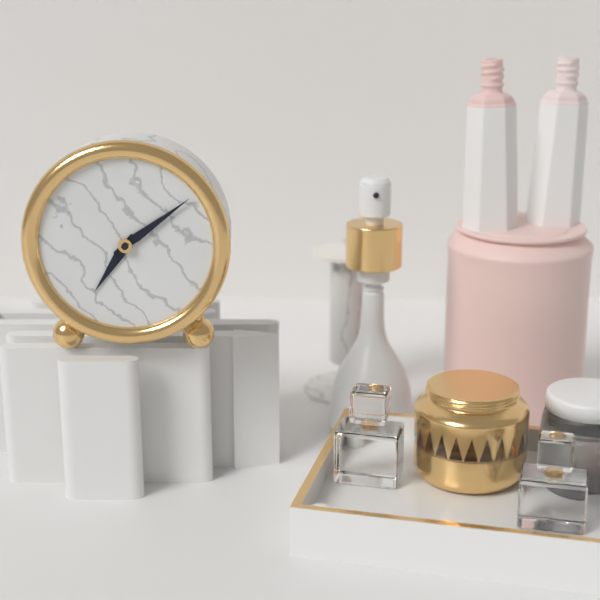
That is h=7 m=9
